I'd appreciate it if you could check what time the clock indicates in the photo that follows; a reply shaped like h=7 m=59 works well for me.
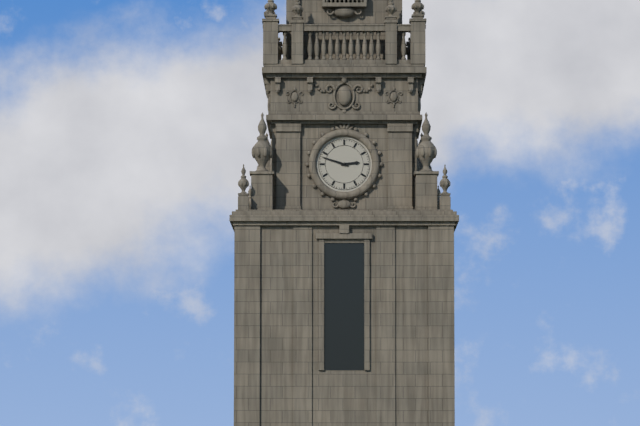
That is h=2 m=48
